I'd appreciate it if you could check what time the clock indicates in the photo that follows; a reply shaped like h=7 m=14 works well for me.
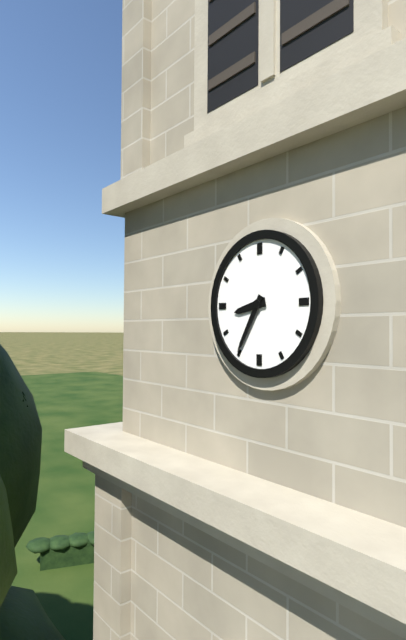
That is h=8 m=35
